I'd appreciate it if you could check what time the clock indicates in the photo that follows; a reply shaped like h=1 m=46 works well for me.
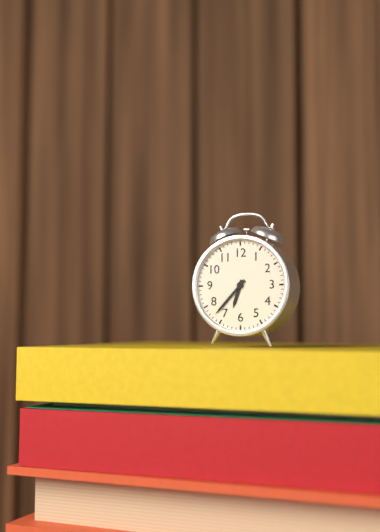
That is h=6 m=37
